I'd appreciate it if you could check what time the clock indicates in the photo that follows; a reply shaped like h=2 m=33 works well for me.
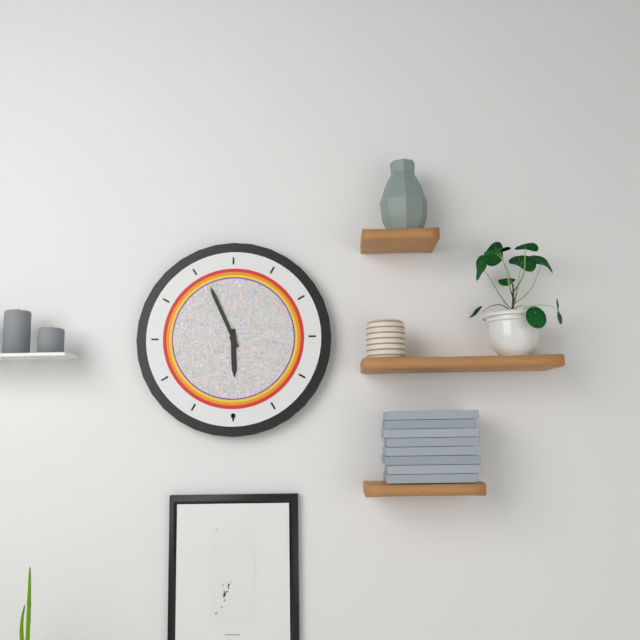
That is h=5 m=56
